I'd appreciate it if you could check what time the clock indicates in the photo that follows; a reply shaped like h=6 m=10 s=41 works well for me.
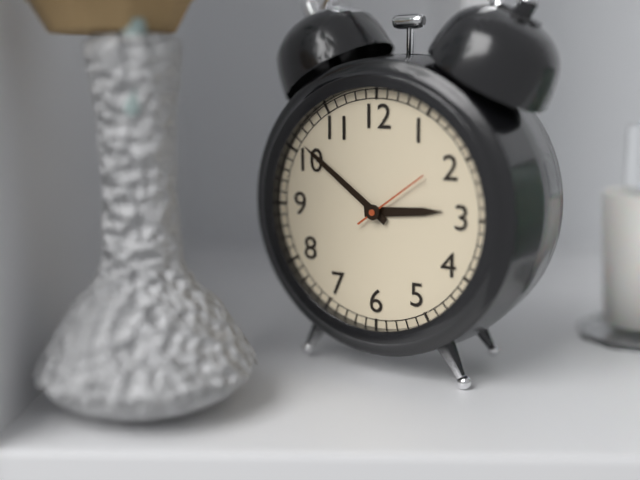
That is h=2 m=51 s=9
